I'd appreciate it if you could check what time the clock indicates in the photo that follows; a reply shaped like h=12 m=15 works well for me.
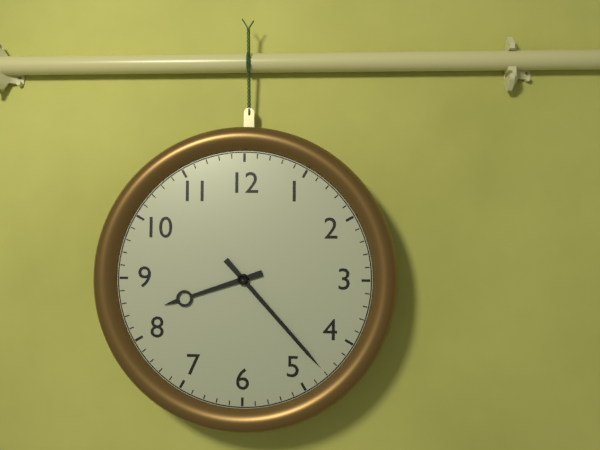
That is h=8 m=23
